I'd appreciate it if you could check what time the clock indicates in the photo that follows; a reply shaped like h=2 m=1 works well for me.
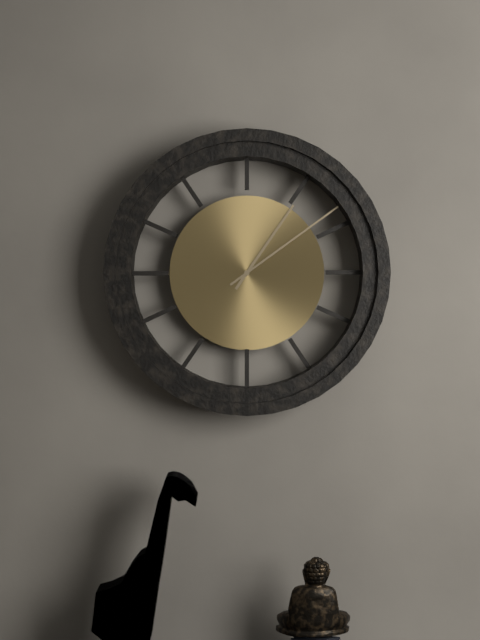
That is h=1 m=9
